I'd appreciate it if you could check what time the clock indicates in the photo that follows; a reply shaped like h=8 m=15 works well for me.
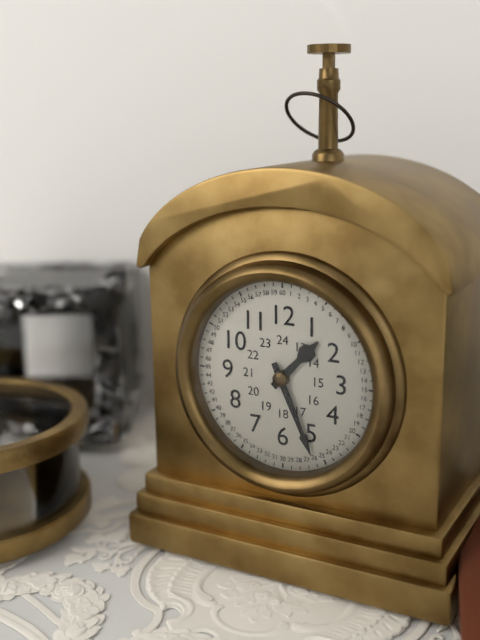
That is h=1 m=26
